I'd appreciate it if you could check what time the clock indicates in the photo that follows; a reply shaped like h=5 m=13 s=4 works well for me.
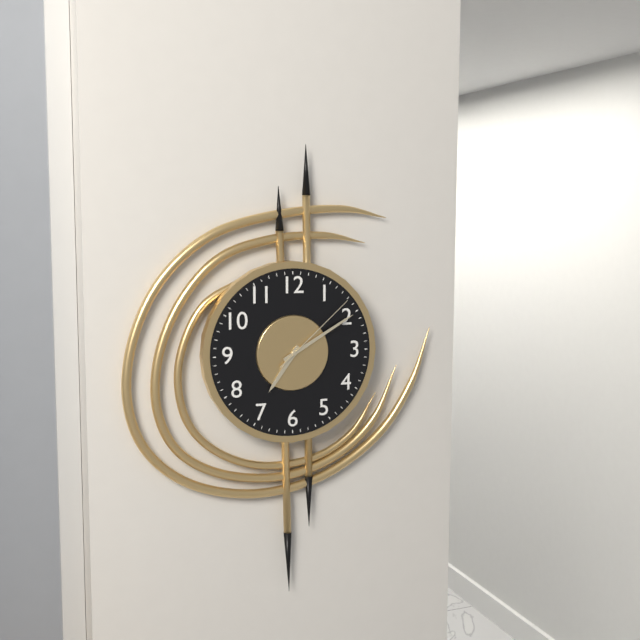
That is h=7 m=10 s=8
